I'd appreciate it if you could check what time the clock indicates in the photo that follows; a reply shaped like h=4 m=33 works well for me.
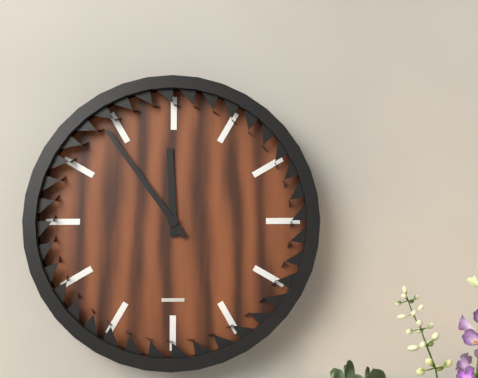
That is h=11 m=54
